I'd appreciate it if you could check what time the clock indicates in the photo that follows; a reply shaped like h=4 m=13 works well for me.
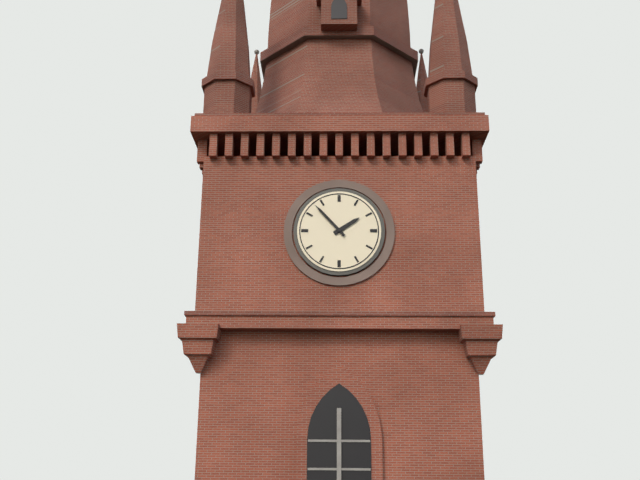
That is h=1 m=53
